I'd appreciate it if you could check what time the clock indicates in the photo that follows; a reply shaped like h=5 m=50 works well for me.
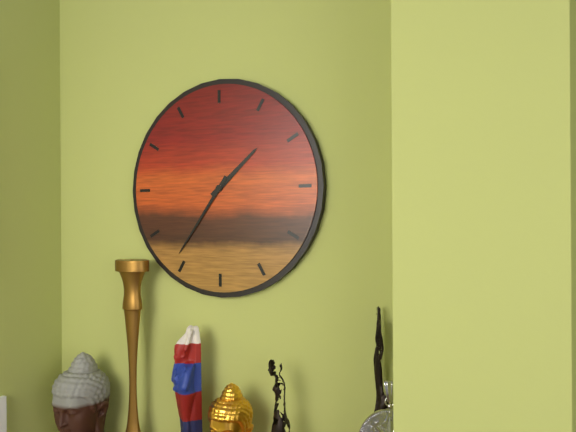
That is h=1 m=36
